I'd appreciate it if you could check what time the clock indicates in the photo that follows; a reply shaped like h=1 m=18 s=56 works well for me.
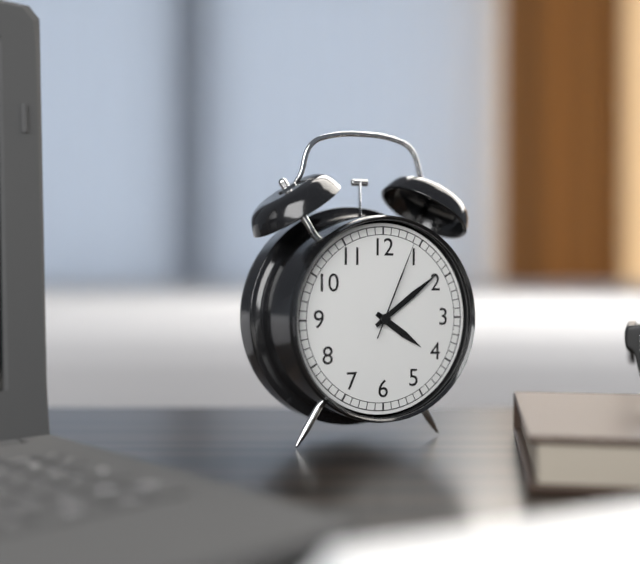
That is h=4 m=9 s=4
